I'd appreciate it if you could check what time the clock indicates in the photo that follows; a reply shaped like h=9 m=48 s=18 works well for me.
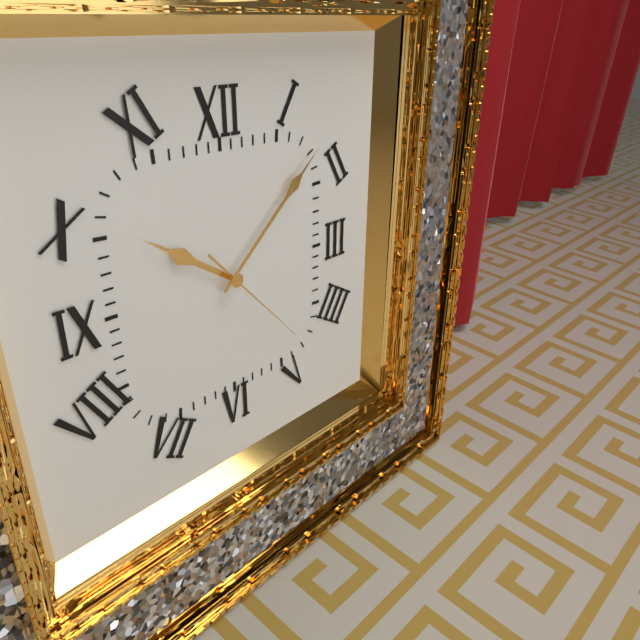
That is h=10 m=8 s=23
